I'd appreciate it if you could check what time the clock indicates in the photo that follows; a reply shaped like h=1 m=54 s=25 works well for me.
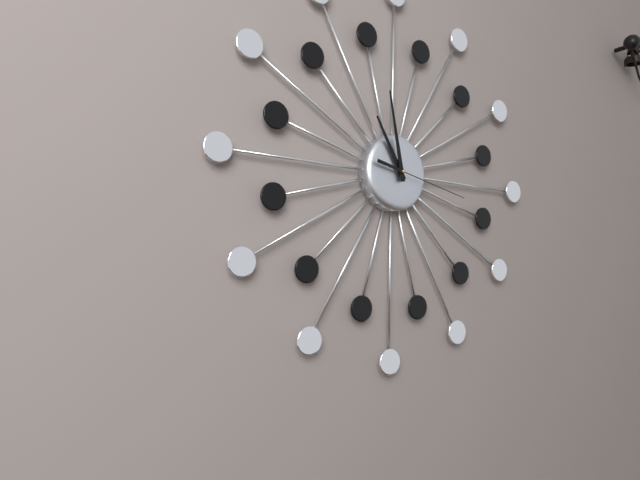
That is h=10 m=58 s=17
